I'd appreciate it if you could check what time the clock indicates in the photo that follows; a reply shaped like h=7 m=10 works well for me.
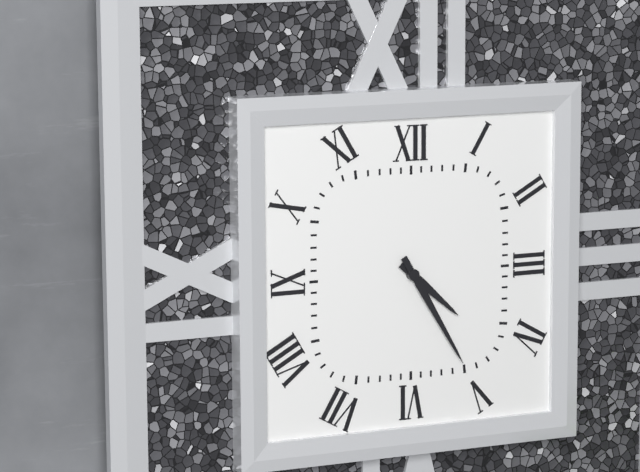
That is h=4 m=25
